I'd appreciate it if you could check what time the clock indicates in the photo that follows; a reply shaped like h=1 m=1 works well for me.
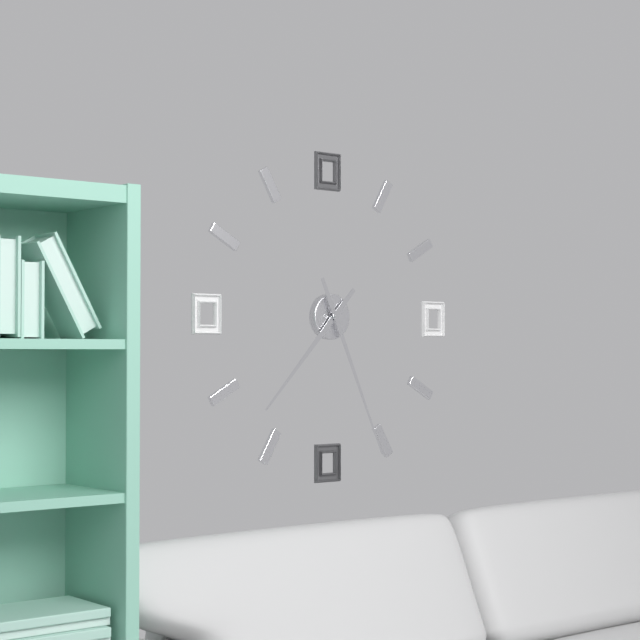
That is h=7 m=26
